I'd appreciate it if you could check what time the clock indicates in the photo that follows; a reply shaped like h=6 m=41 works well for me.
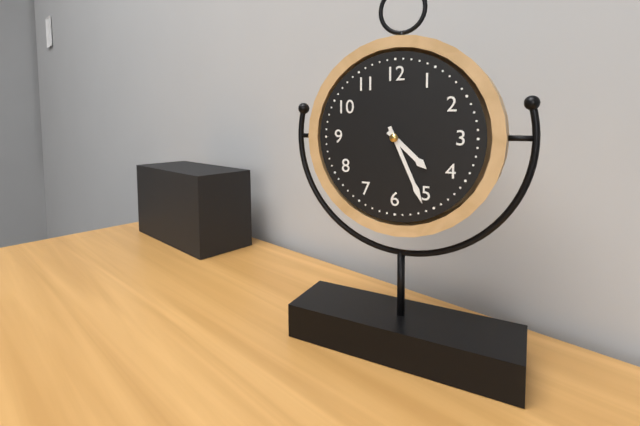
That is h=4 m=26
